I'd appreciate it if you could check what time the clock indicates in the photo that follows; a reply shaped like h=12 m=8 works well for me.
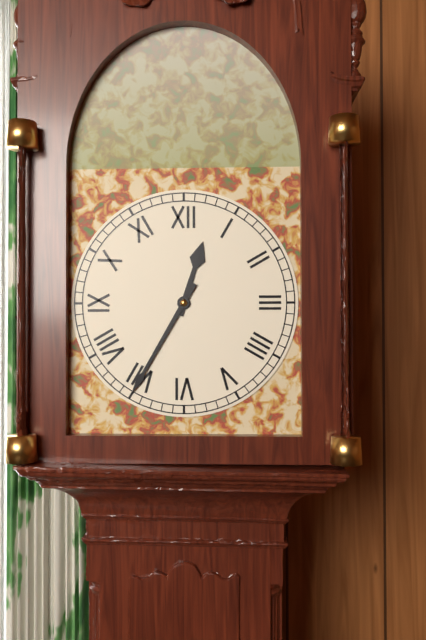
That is h=12 m=35
